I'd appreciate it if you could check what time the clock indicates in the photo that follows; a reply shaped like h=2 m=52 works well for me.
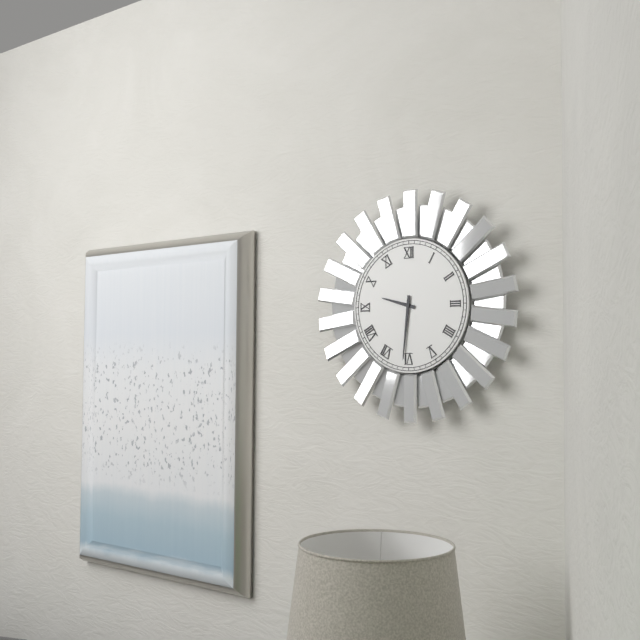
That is h=9 m=31
